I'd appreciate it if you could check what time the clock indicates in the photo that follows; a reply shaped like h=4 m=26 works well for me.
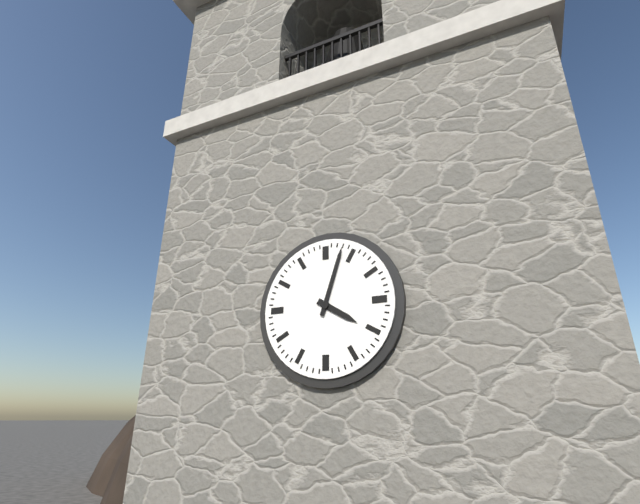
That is h=4 m=3
